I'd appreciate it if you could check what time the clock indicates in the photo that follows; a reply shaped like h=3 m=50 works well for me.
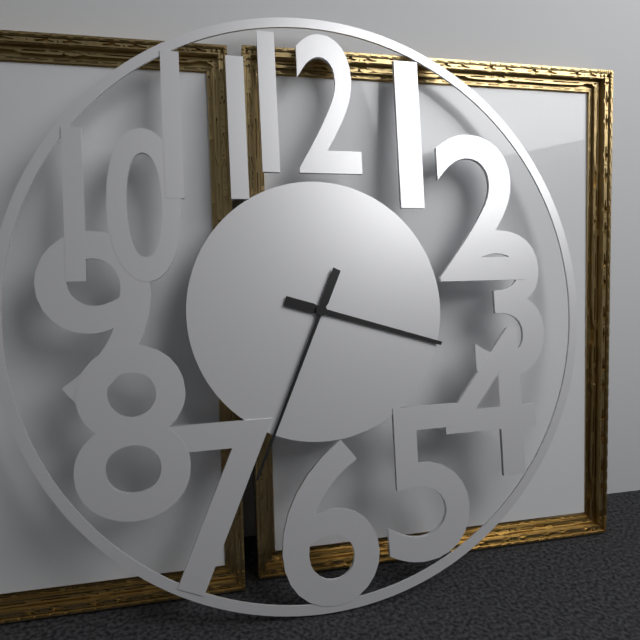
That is h=3 m=34
